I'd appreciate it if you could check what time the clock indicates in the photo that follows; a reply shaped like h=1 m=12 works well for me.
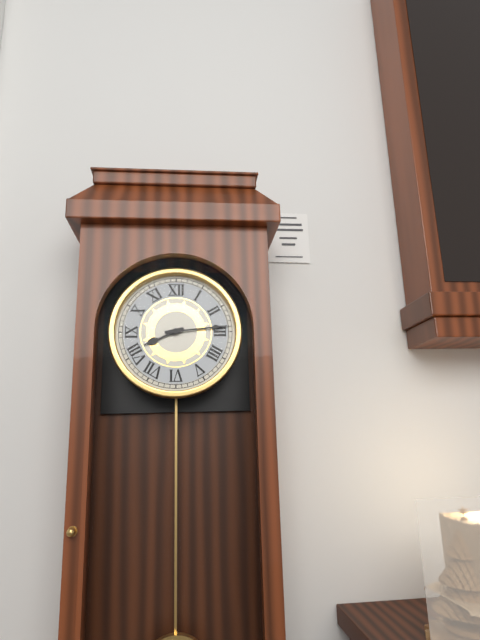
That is h=8 m=14
